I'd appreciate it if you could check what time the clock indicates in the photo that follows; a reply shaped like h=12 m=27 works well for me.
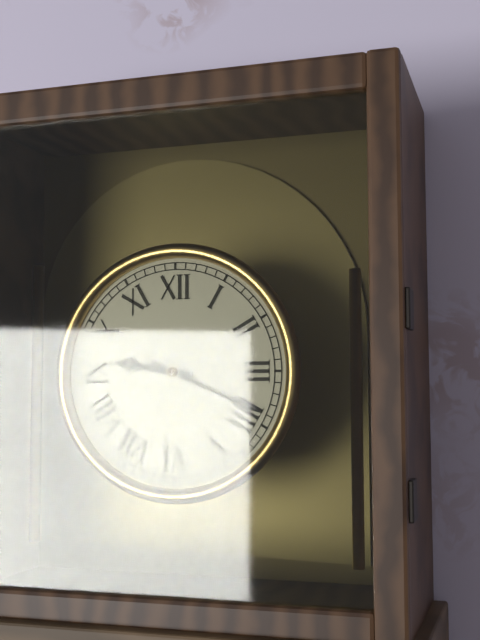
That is h=9 m=19
